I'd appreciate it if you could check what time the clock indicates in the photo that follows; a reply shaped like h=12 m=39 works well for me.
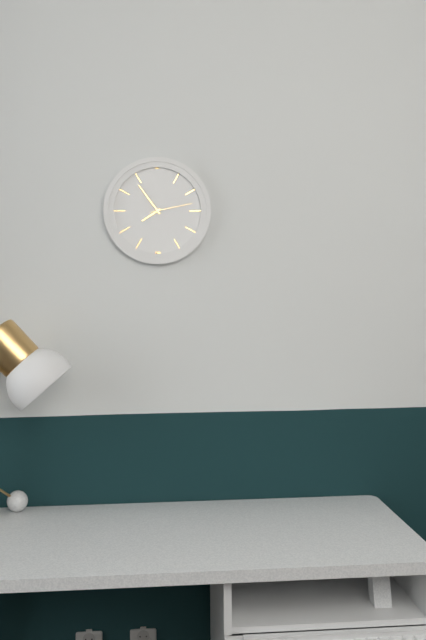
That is h=7 m=54
